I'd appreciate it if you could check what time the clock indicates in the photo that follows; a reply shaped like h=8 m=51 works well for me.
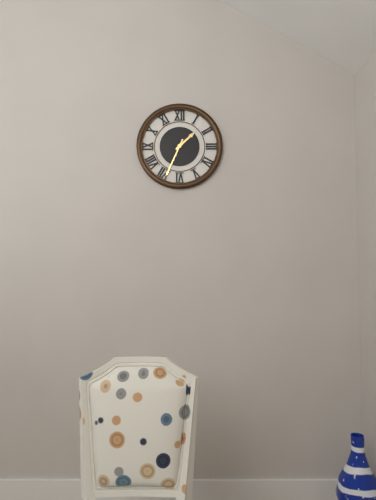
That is h=1 m=34
